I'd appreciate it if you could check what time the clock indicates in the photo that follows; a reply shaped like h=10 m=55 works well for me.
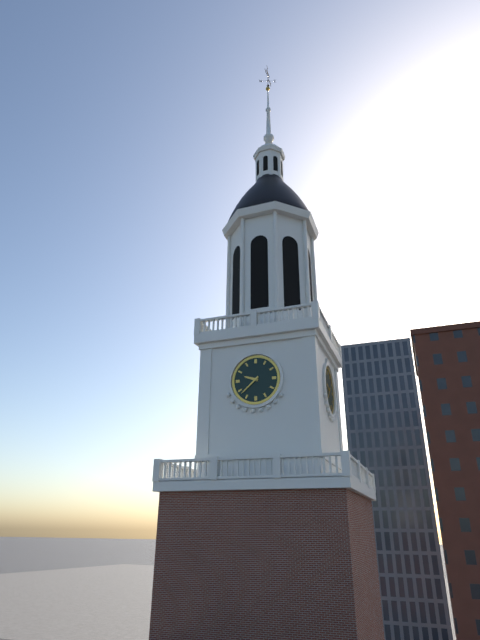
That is h=9 m=38
